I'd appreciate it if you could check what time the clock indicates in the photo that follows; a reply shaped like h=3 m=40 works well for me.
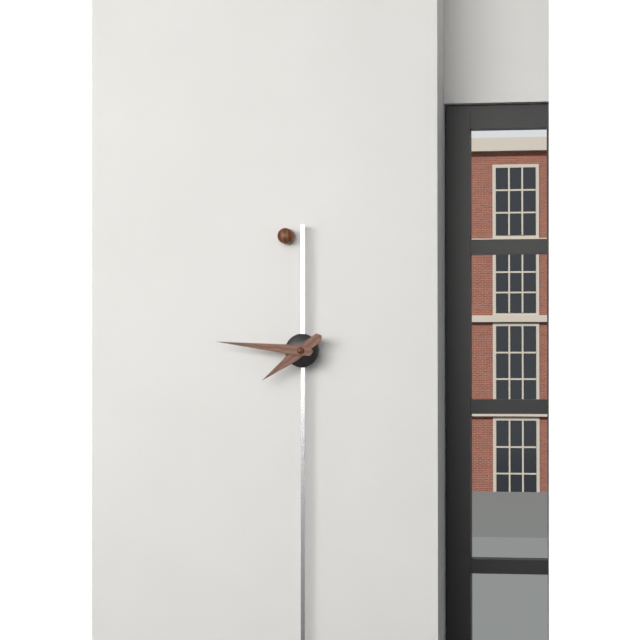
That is h=7 m=46
